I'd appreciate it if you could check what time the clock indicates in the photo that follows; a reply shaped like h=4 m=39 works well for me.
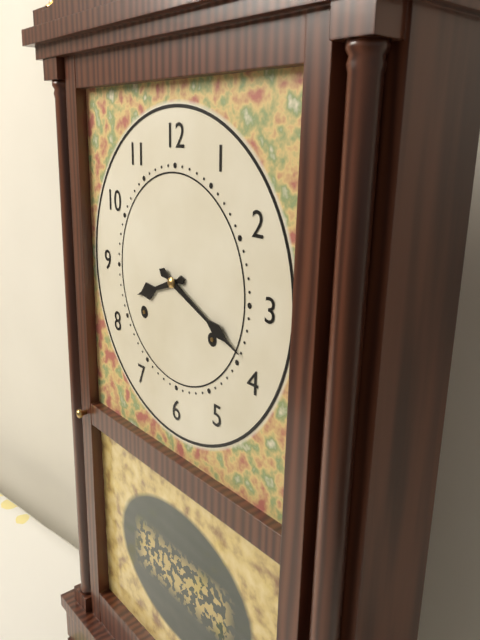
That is h=8 m=19
